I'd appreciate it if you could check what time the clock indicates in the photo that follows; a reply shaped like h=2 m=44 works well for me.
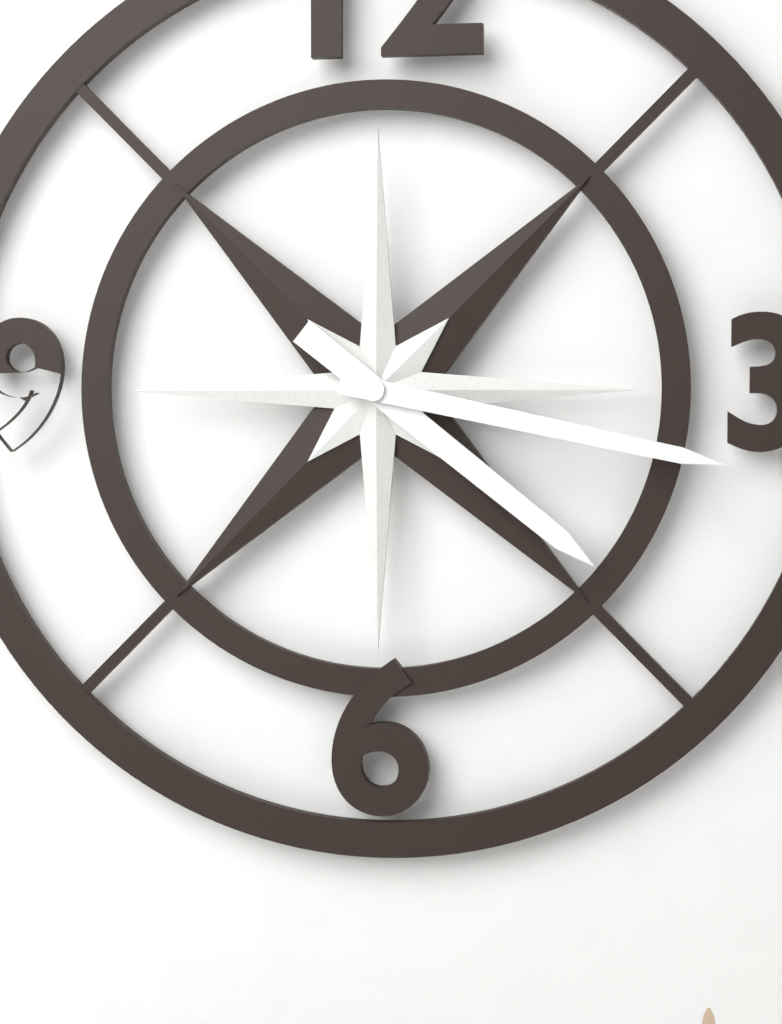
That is h=4 m=17
